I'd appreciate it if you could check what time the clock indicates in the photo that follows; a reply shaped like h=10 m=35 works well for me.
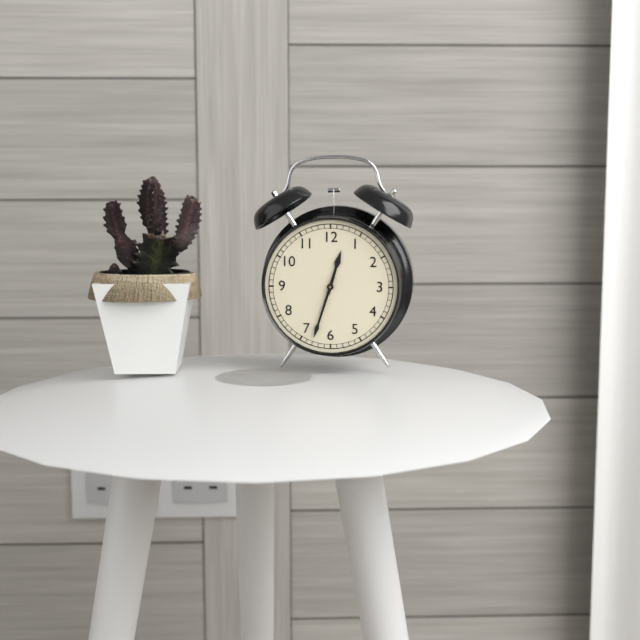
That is h=12 m=33
